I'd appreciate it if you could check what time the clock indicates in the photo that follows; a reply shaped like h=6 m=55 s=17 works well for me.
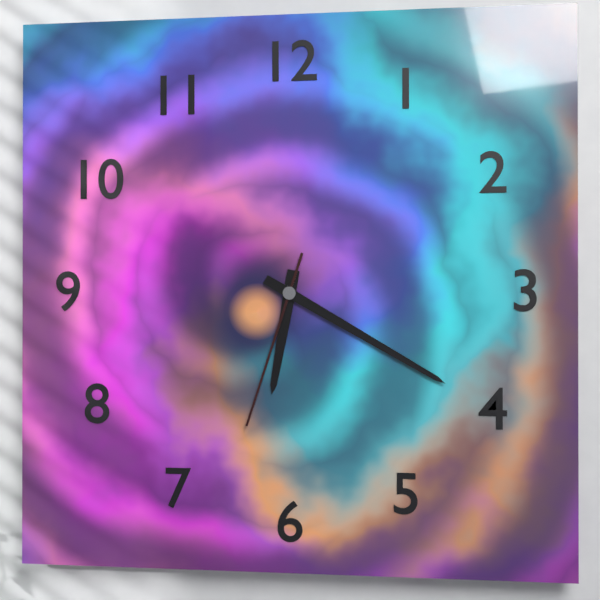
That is h=6 m=20 s=33
